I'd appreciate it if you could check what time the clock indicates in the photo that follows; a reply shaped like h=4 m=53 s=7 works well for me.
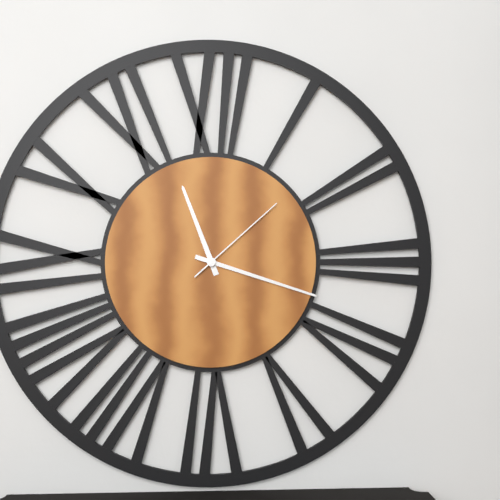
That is h=11 m=18 s=8
